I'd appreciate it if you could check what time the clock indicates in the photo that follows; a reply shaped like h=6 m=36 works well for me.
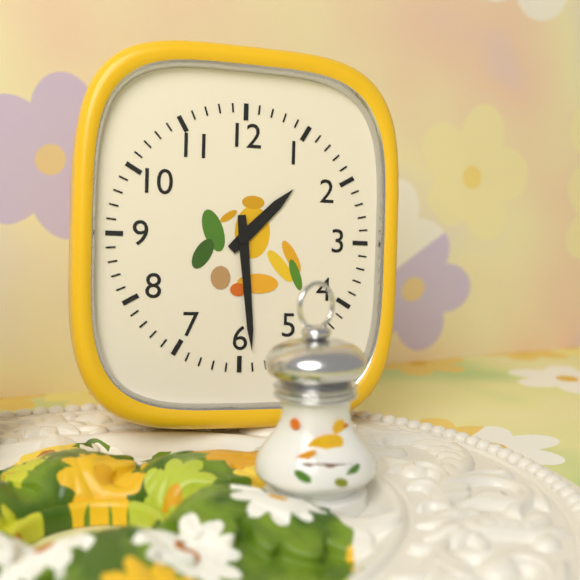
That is h=1 m=29
